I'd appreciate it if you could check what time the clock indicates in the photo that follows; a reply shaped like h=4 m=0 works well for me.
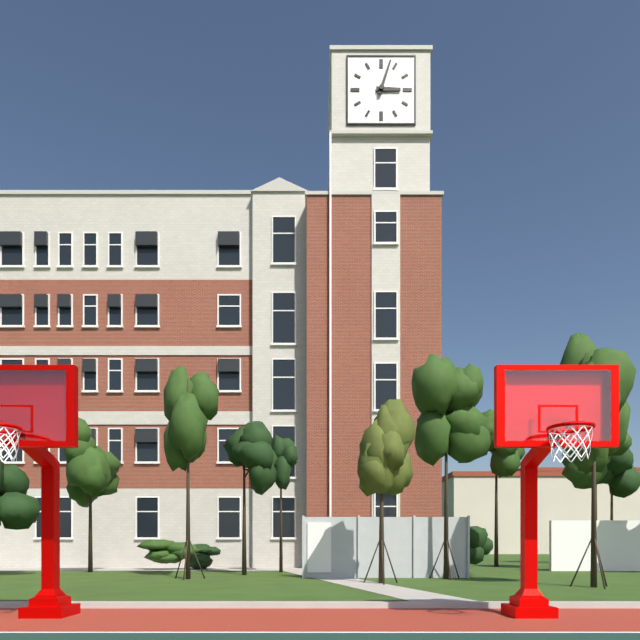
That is h=3 m=3
